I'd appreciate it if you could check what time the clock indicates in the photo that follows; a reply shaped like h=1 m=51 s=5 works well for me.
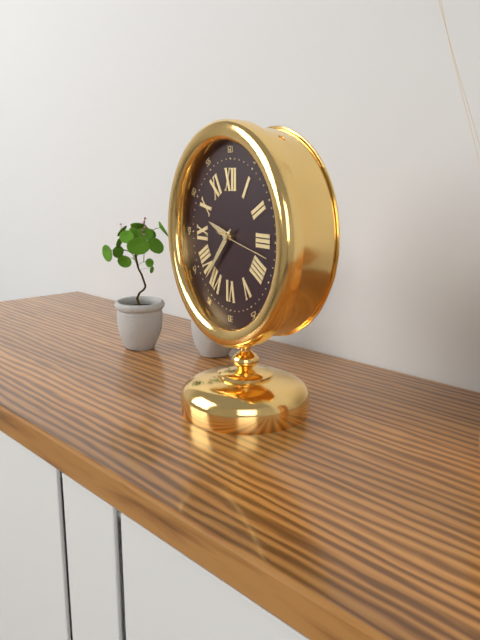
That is h=9 m=37 s=17
